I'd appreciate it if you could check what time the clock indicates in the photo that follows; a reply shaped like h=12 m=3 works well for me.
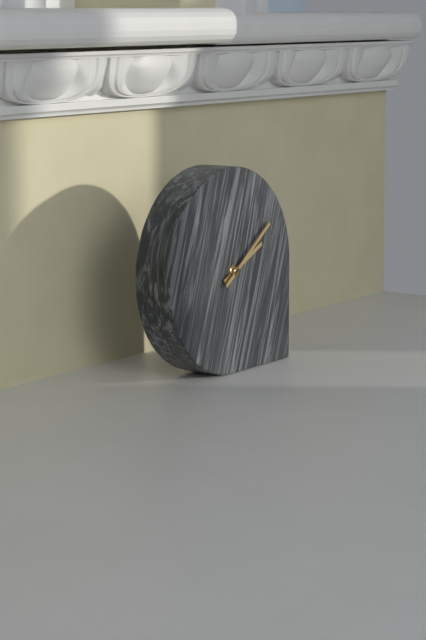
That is h=2 m=9
